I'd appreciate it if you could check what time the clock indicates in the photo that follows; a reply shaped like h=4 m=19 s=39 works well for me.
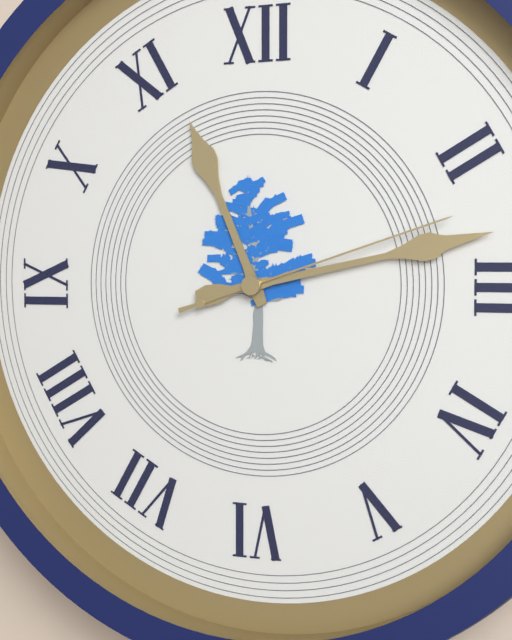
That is h=11 m=13 s=12
